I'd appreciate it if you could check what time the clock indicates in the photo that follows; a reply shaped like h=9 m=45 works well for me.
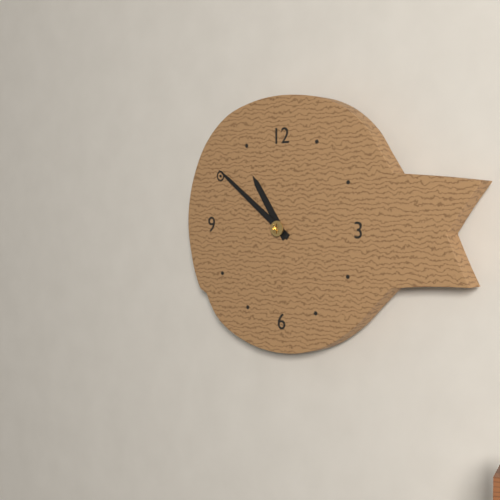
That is h=10 m=51
